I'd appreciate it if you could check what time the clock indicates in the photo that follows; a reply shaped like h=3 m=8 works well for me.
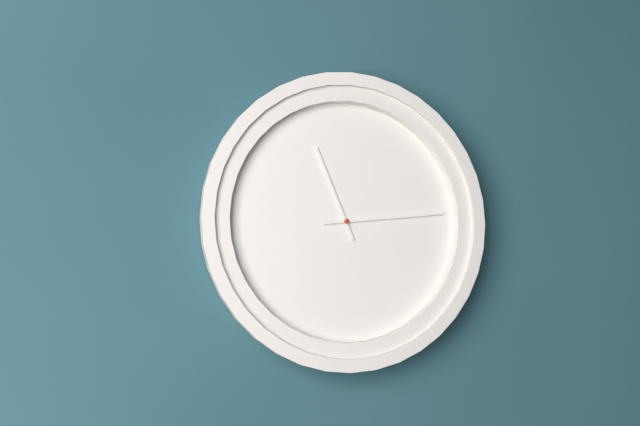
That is h=11 m=14
